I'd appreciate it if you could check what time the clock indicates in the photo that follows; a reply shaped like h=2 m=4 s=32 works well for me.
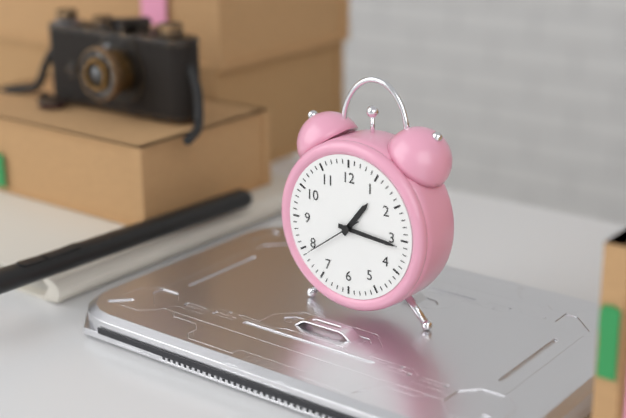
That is h=1 m=16 s=39
